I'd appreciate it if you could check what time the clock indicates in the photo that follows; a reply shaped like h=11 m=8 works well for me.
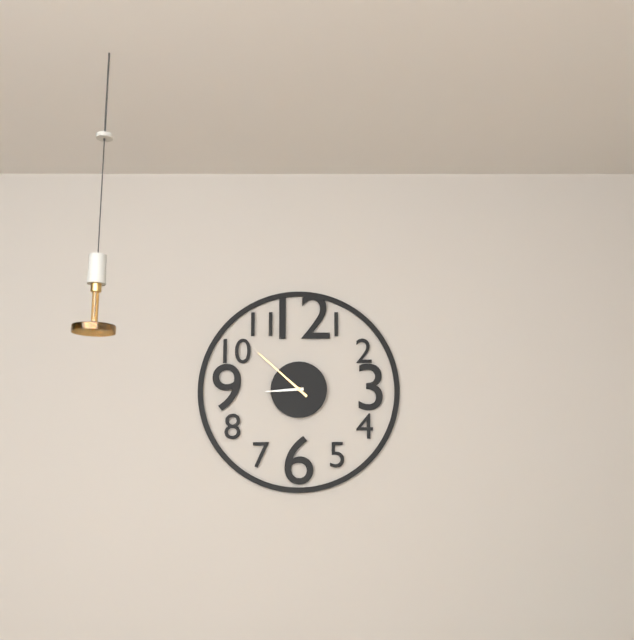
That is h=8 m=52
